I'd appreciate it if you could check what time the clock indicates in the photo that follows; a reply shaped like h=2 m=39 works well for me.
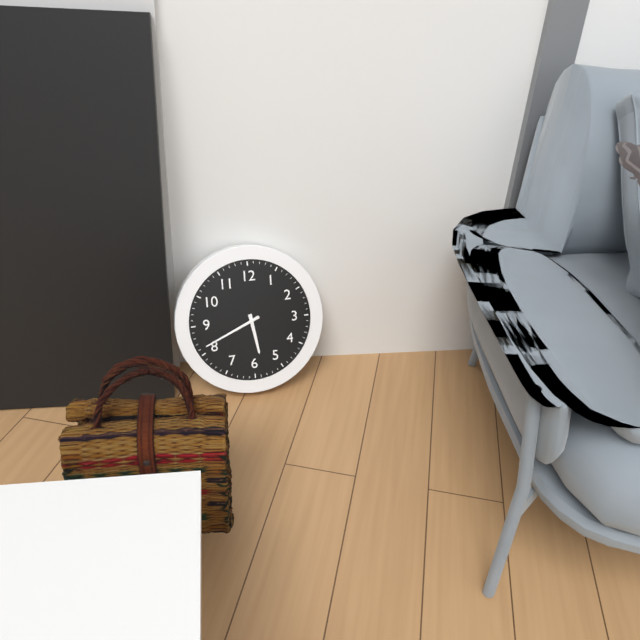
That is h=5 m=41
